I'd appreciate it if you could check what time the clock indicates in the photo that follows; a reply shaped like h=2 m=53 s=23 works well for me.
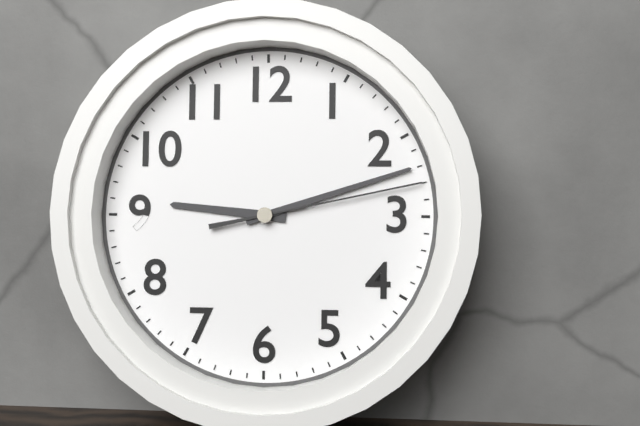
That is h=9 m=12 s=13
